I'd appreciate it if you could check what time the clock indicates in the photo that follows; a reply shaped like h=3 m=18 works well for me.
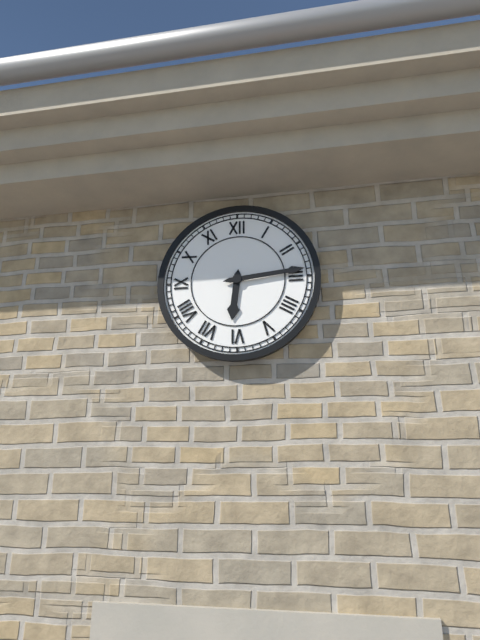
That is h=6 m=14
